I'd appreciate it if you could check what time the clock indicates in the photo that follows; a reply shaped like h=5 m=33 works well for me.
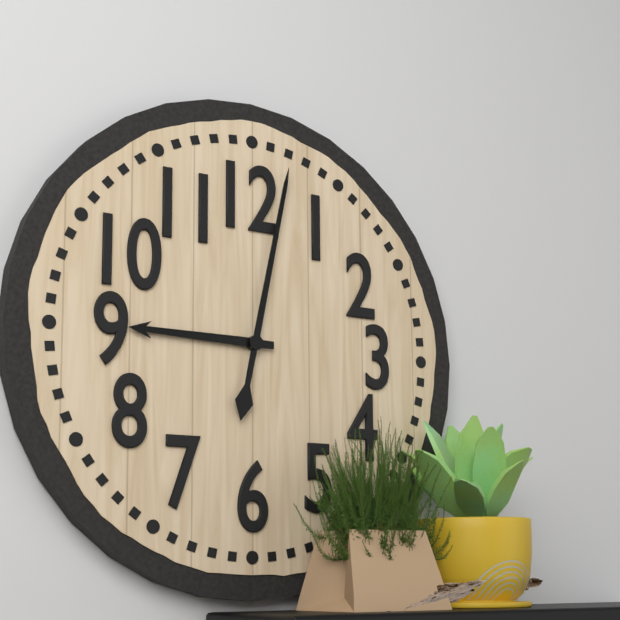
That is h=9 m=2
